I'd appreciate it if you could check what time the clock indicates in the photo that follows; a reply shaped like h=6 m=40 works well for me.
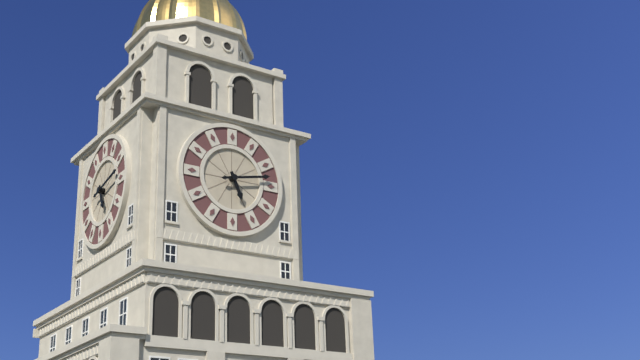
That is h=5 m=13
